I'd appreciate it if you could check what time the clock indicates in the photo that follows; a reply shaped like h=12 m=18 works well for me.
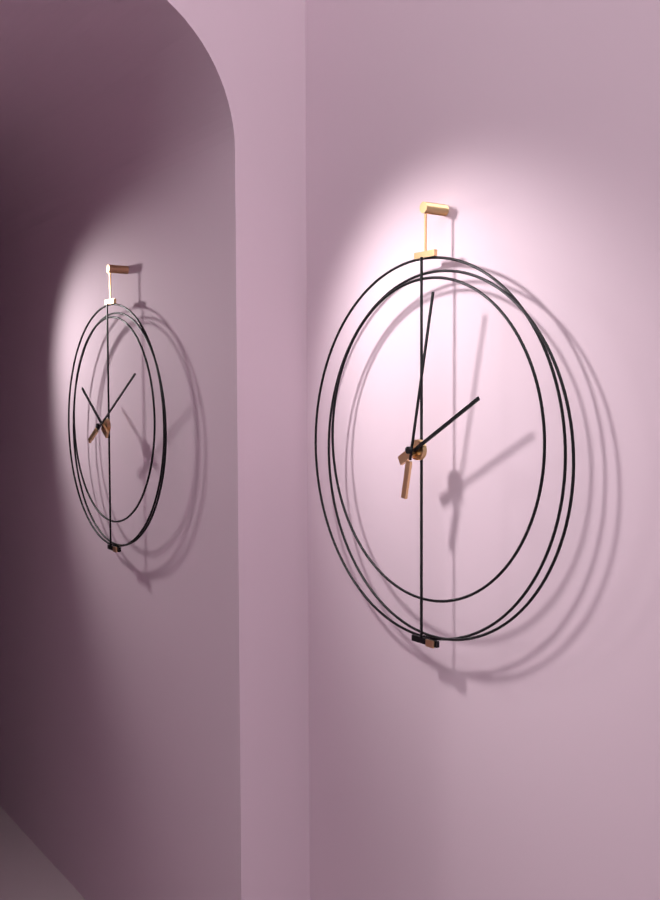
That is h=2 m=2
